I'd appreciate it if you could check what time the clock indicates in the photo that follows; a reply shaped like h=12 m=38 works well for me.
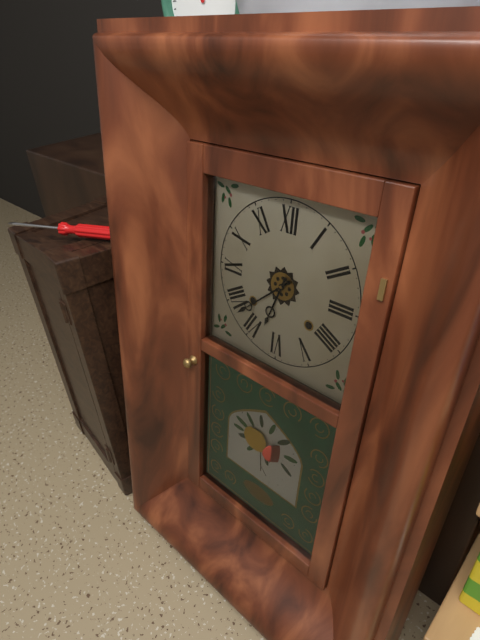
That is h=6 m=38
